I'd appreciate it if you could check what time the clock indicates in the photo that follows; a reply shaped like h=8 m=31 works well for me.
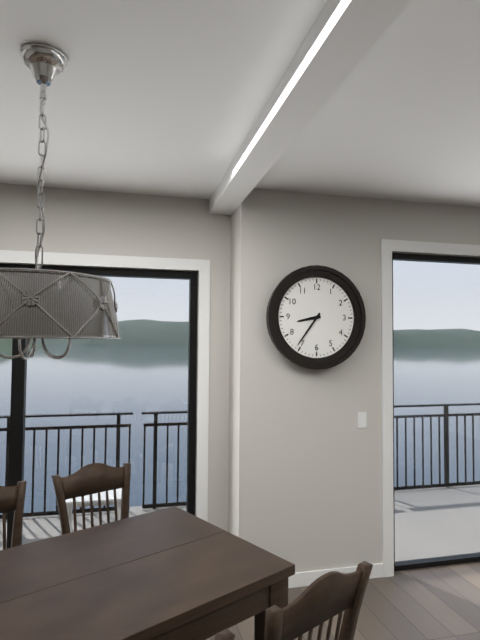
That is h=8 m=36
